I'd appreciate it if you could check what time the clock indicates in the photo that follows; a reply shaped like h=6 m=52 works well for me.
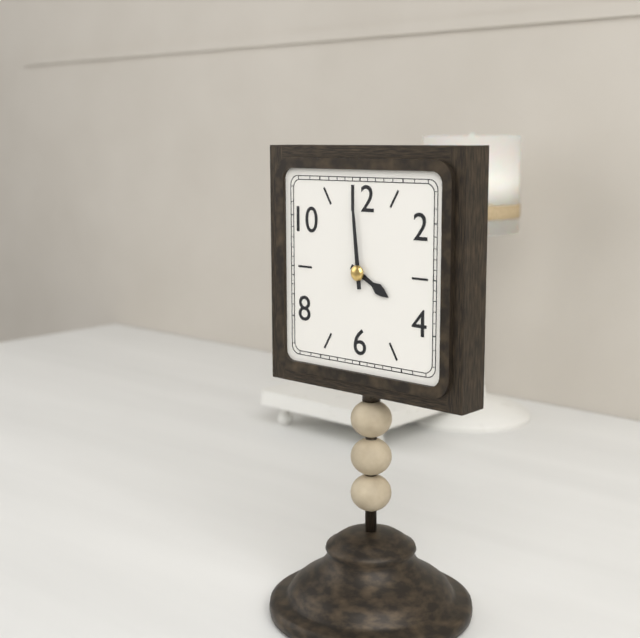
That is h=3 m=59
